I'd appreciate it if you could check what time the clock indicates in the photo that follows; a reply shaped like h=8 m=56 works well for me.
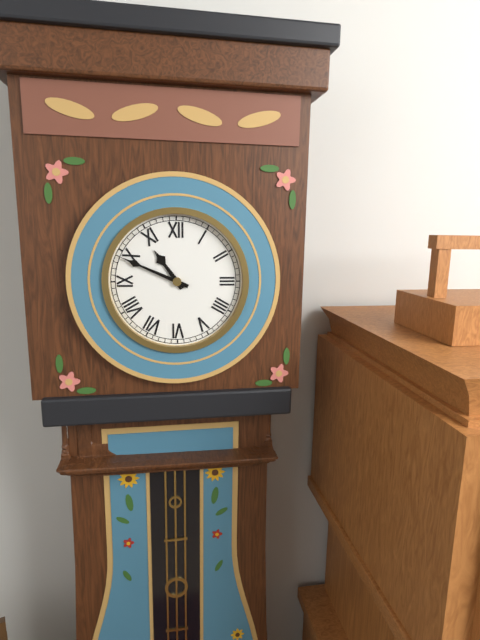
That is h=10 m=49
